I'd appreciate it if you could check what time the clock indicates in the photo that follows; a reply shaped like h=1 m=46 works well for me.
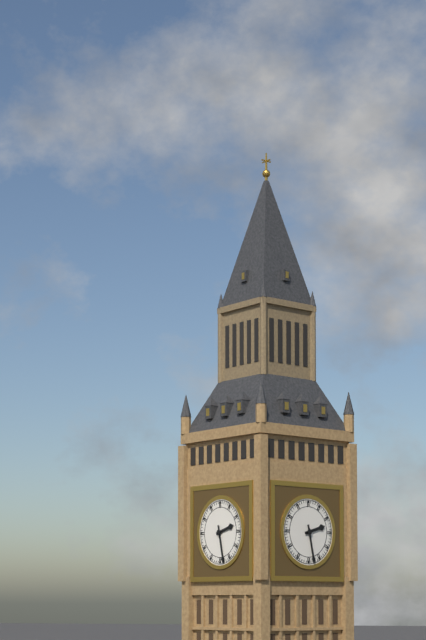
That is h=2 m=28
